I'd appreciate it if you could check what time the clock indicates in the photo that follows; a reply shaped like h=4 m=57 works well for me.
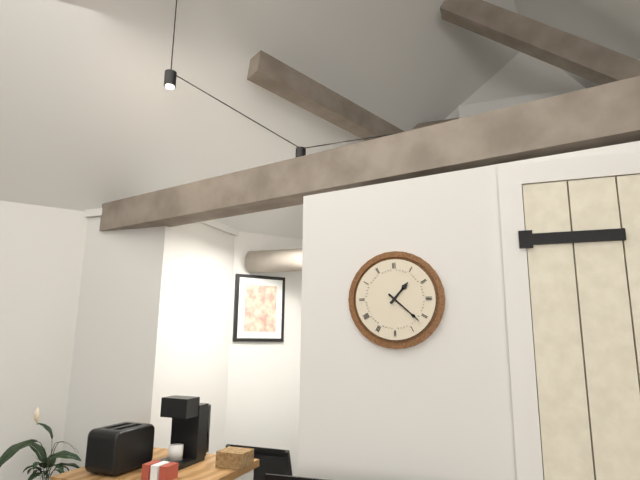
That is h=1 m=22
